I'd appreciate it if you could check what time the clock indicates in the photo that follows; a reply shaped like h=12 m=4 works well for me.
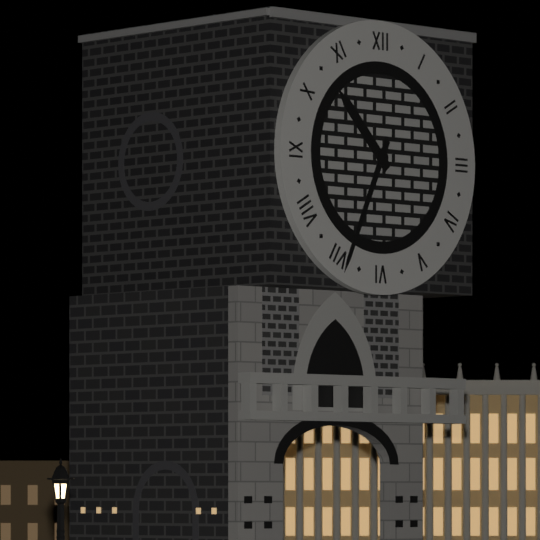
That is h=10 m=34
